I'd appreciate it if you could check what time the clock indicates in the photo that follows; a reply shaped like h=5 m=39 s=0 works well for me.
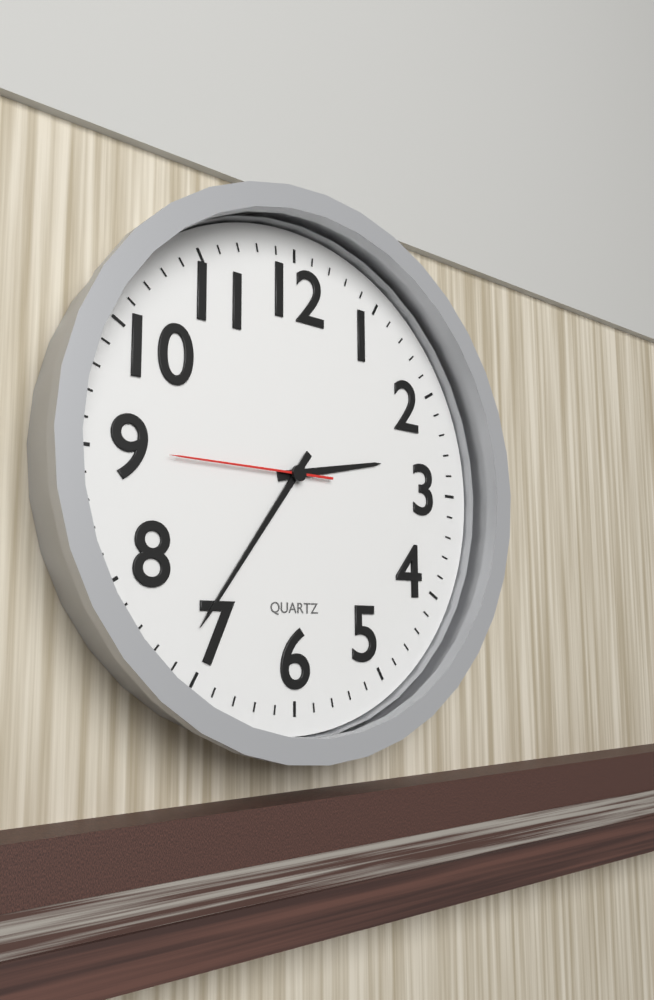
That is h=2 m=36 s=45
